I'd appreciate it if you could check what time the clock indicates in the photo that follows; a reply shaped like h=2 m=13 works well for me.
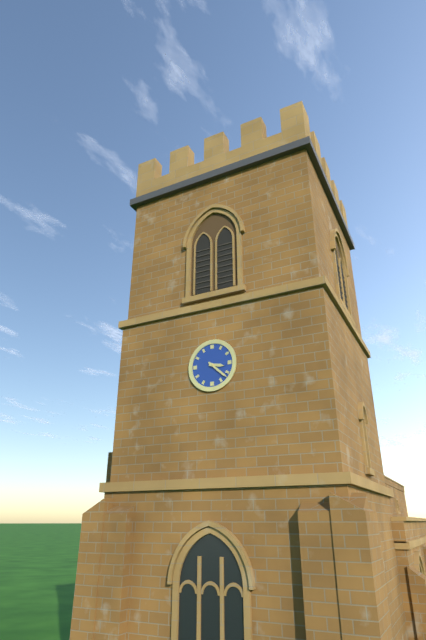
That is h=3 m=22
